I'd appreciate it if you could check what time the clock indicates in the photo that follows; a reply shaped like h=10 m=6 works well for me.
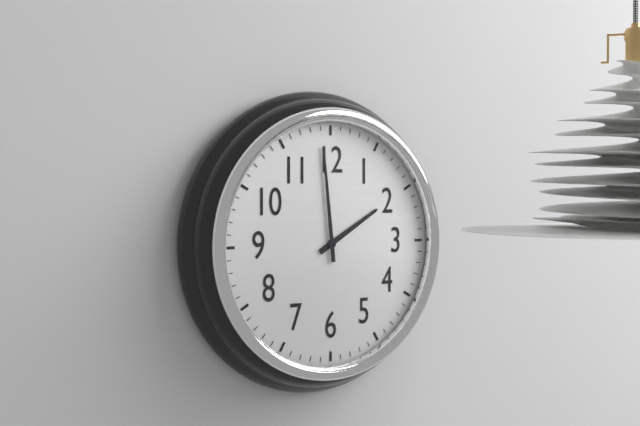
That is h=1 m=59
